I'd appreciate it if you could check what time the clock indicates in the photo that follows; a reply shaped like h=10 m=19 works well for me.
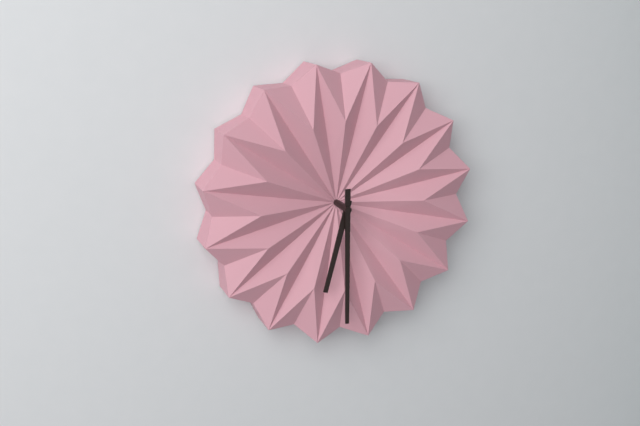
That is h=6 m=30
